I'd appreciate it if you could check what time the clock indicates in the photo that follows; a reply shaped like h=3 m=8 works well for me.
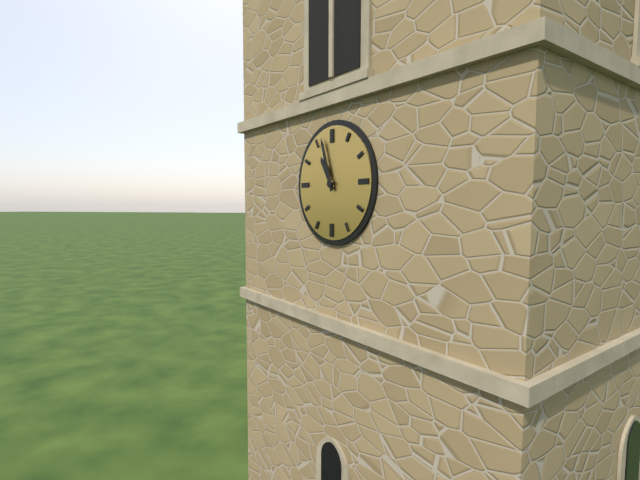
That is h=10 m=57
